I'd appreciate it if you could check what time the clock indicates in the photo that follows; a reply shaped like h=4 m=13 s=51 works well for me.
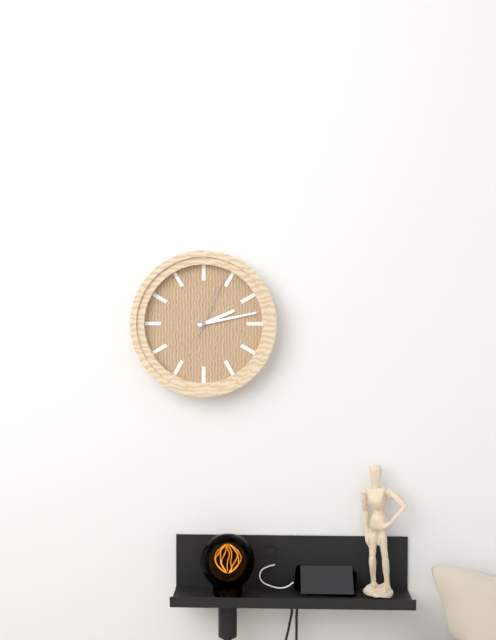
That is h=2 m=13 s=4
